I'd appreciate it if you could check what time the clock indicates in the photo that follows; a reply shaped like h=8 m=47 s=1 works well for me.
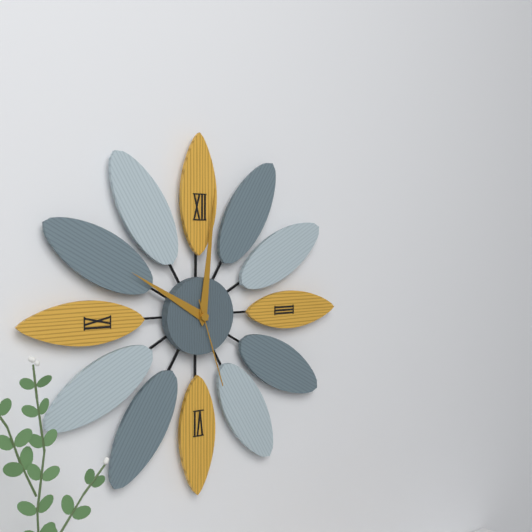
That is h=10 m=1 s=27
